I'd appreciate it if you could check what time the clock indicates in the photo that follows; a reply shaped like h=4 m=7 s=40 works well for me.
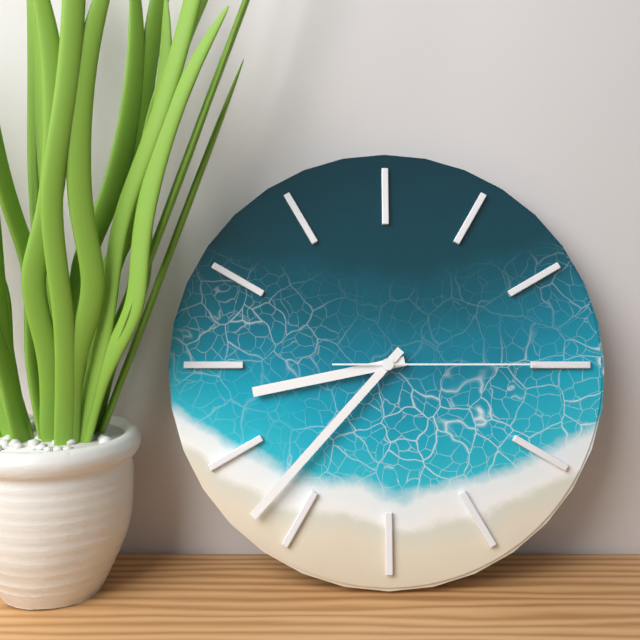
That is h=8 m=37 s=15
